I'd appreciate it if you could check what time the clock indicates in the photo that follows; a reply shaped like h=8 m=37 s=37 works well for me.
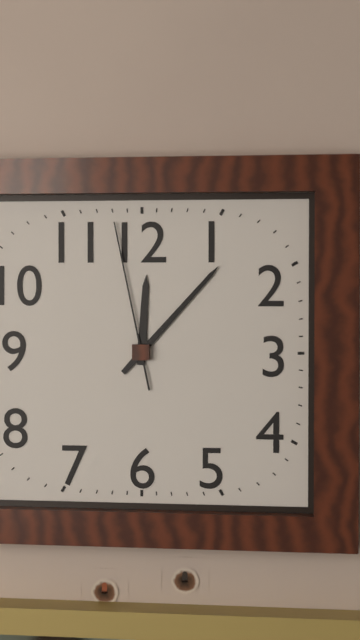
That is h=12 m=7 s=58
